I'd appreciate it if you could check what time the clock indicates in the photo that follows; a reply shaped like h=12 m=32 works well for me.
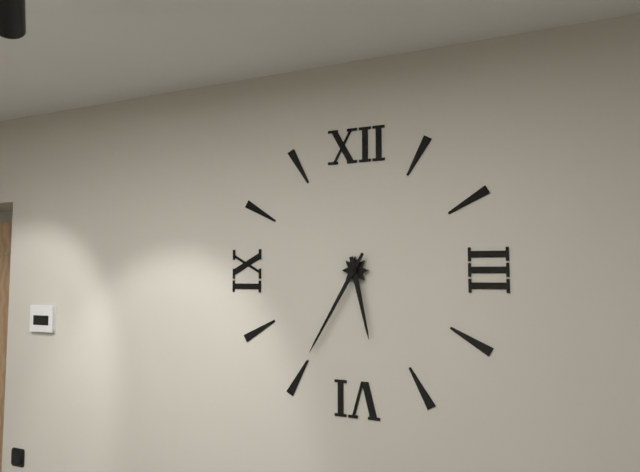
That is h=5 m=35
